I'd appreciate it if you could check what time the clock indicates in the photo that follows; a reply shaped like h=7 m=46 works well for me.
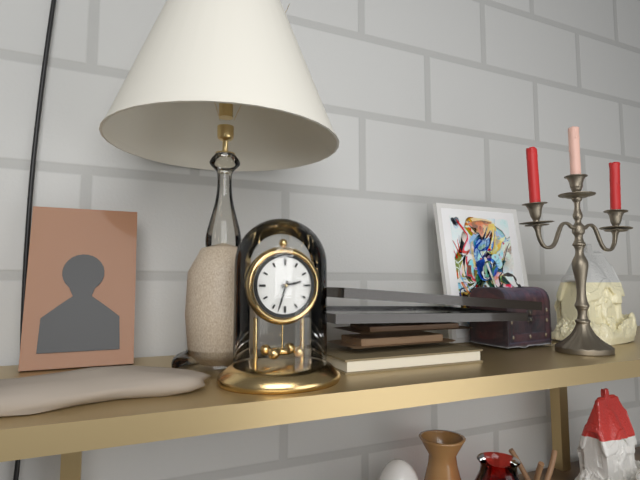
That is h=2 m=33
